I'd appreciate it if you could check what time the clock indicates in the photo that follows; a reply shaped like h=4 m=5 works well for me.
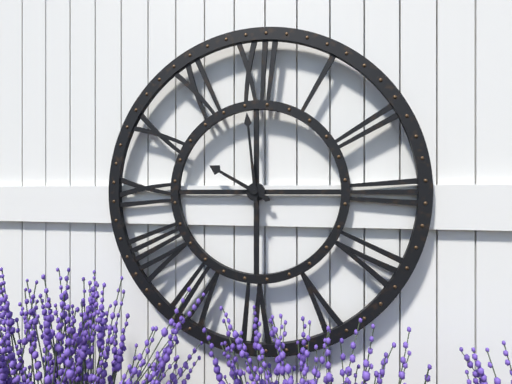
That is h=9 m=59
